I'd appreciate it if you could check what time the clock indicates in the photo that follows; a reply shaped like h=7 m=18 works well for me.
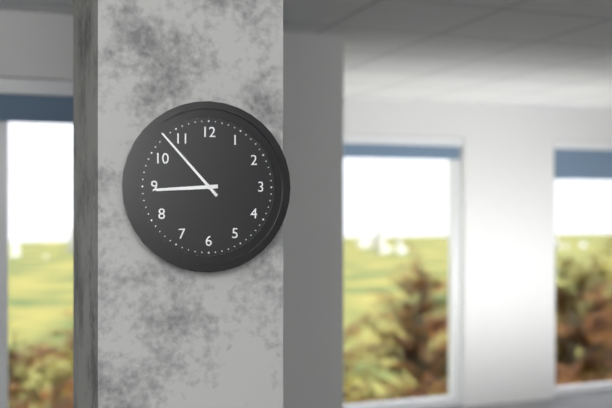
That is h=8 m=53
